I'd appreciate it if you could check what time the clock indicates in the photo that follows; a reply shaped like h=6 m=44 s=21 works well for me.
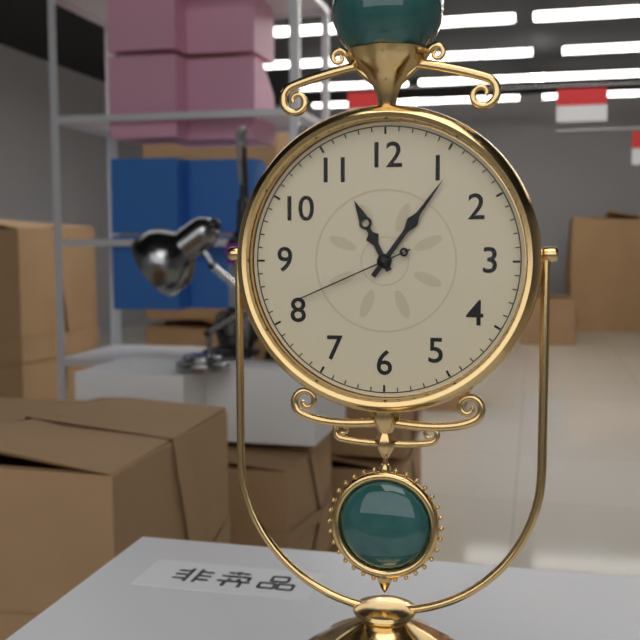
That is h=11 m=6 s=41
